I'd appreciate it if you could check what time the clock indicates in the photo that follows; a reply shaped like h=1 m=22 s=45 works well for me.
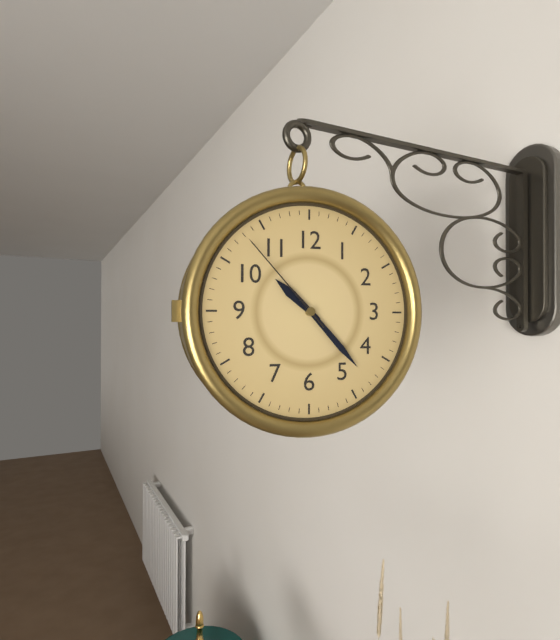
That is h=10 m=23 s=53
